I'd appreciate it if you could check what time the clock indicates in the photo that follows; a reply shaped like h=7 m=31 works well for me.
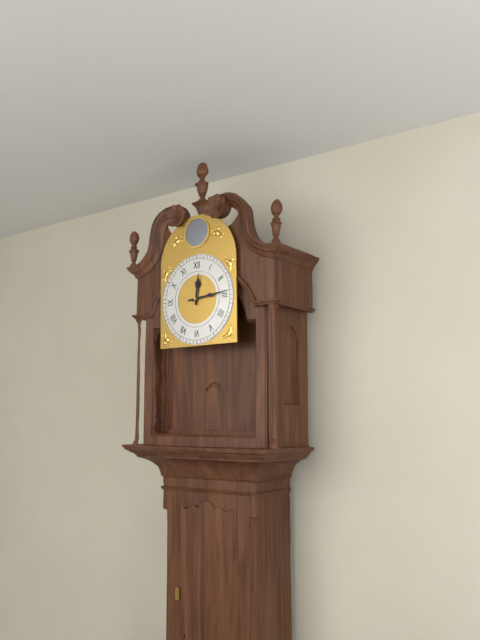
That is h=12 m=14
